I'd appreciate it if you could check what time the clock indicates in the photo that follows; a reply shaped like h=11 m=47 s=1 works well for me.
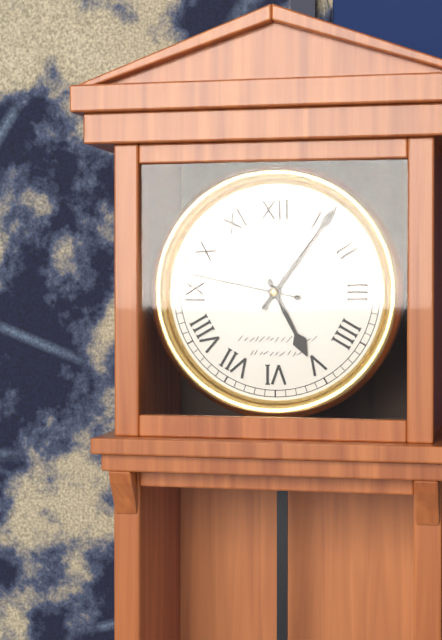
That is h=5 m=6 s=47
